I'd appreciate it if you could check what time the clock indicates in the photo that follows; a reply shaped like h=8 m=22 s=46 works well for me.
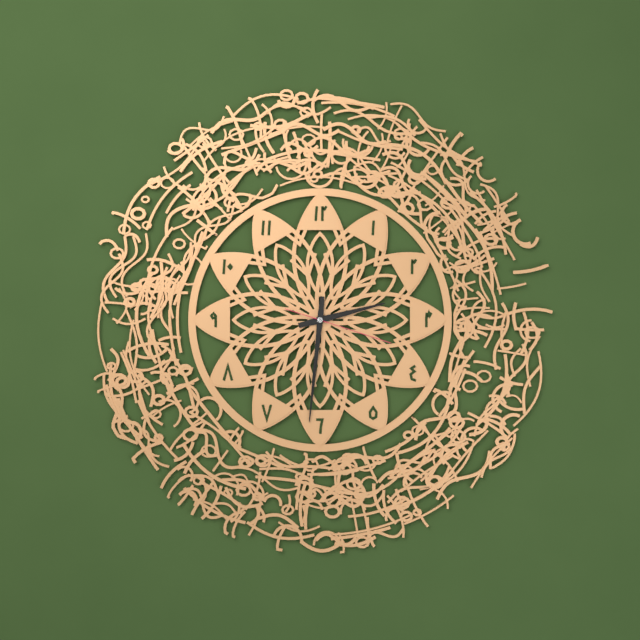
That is h=2 m=31 s=18
